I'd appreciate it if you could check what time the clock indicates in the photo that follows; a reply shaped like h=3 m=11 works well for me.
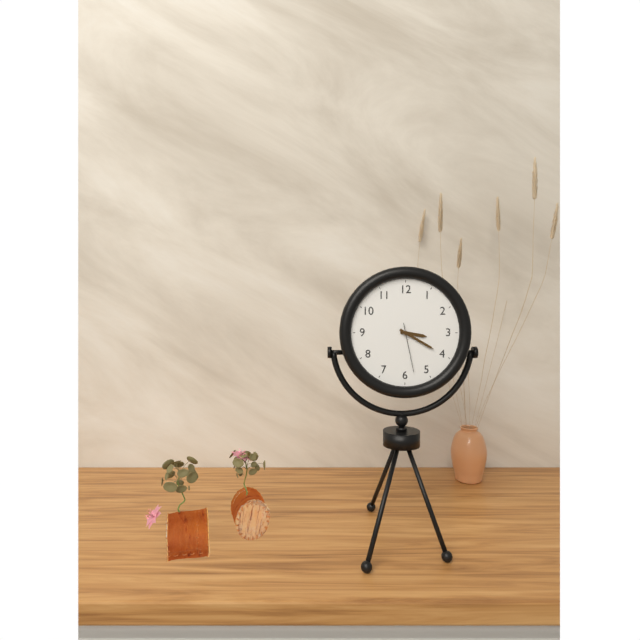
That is h=3 m=20
